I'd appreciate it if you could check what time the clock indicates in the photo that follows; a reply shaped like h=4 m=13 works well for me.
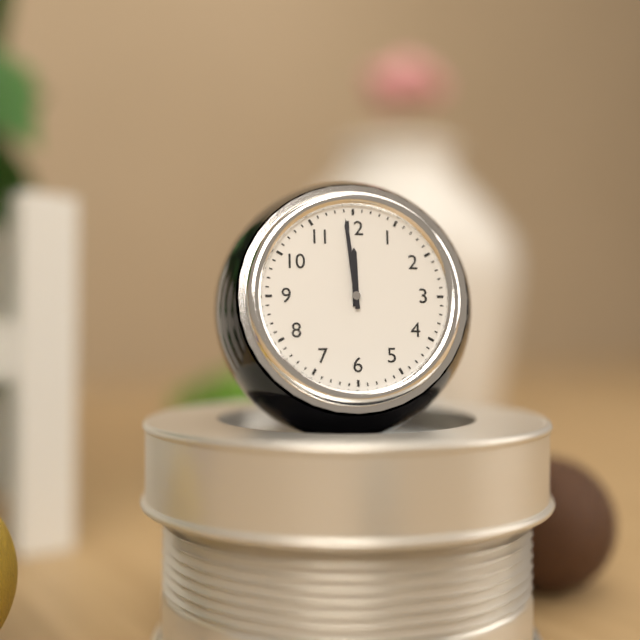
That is h=11 m=59
